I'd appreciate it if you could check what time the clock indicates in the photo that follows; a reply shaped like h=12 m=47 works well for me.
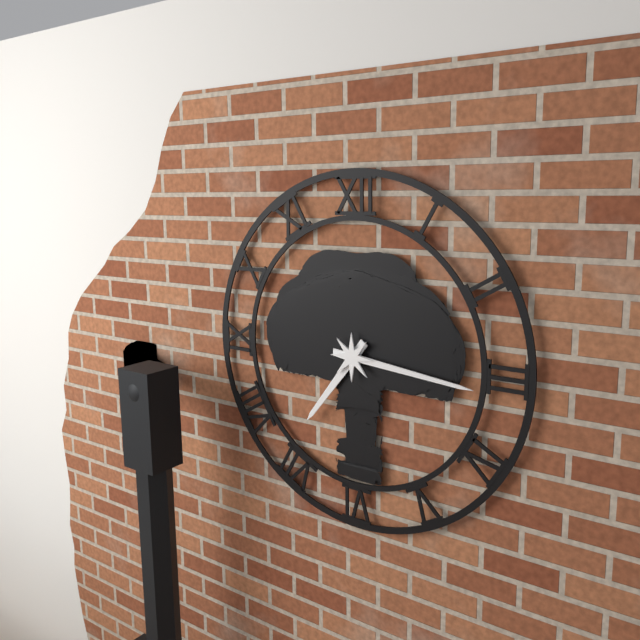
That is h=7 m=16
